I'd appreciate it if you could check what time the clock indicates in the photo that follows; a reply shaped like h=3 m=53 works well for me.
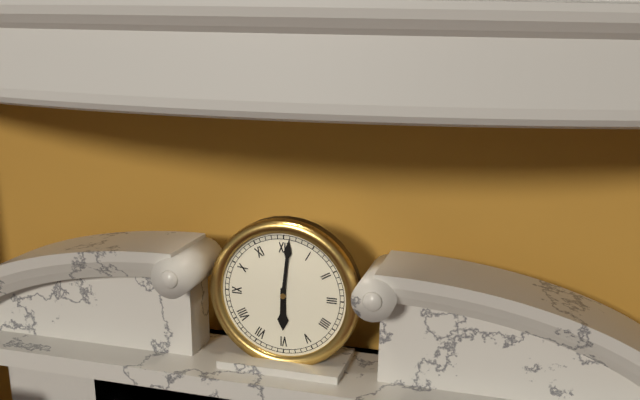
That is h=6 m=1
